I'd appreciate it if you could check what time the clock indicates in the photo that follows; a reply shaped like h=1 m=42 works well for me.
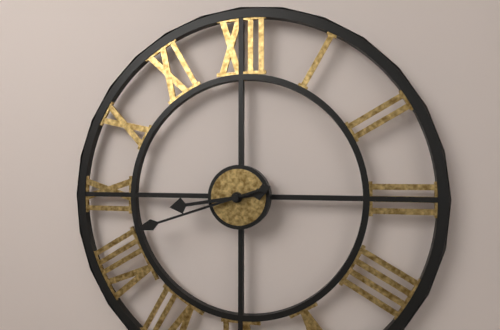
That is h=8 m=42
